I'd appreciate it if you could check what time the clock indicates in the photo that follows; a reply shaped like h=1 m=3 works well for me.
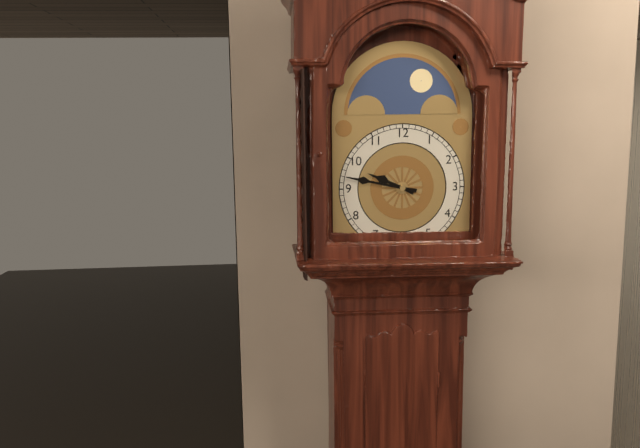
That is h=9 m=47
